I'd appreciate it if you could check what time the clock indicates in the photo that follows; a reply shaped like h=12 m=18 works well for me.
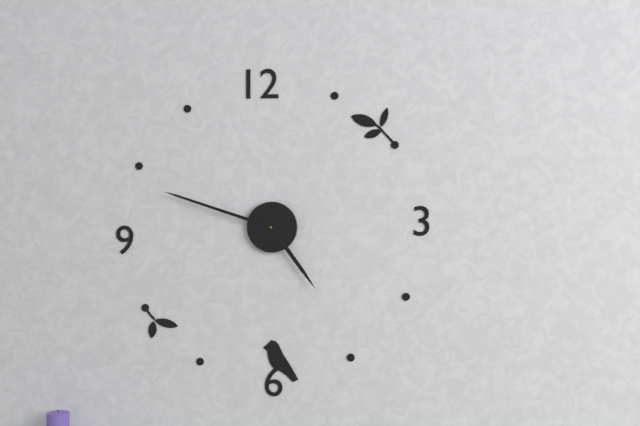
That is h=4 m=48
